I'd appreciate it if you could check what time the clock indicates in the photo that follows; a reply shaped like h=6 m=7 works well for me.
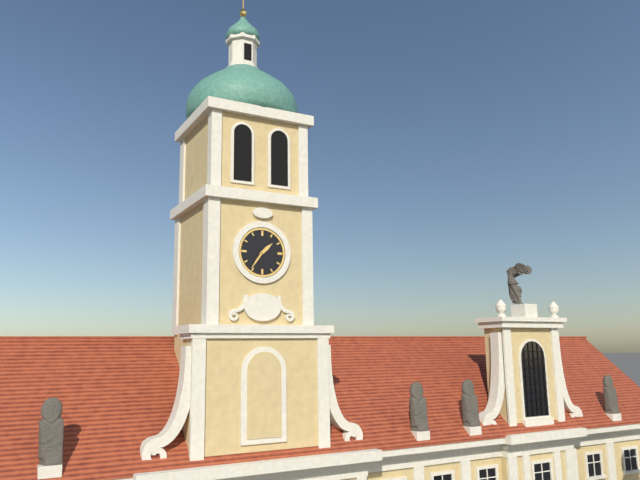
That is h=1 m=36
